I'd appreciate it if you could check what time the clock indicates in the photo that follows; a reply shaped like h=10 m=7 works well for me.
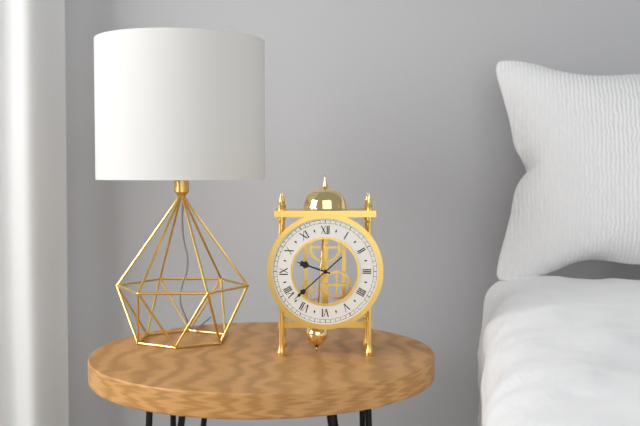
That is h=9 m=38
